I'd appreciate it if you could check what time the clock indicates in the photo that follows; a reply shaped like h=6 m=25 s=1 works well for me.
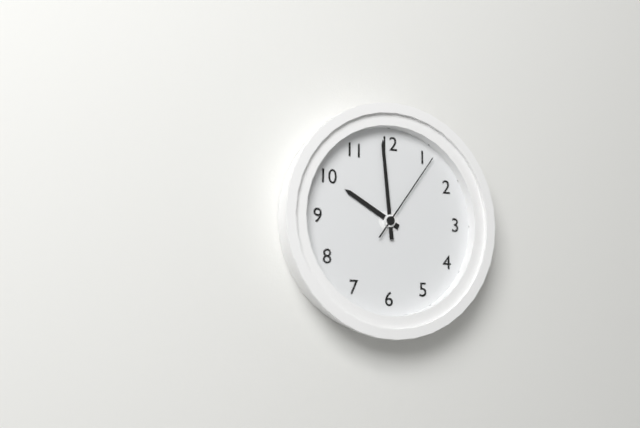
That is h=9 m=59 s=6
